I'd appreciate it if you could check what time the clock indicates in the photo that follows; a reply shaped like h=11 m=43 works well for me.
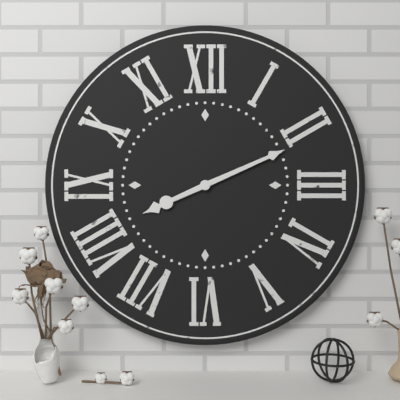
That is h=8 m=11
